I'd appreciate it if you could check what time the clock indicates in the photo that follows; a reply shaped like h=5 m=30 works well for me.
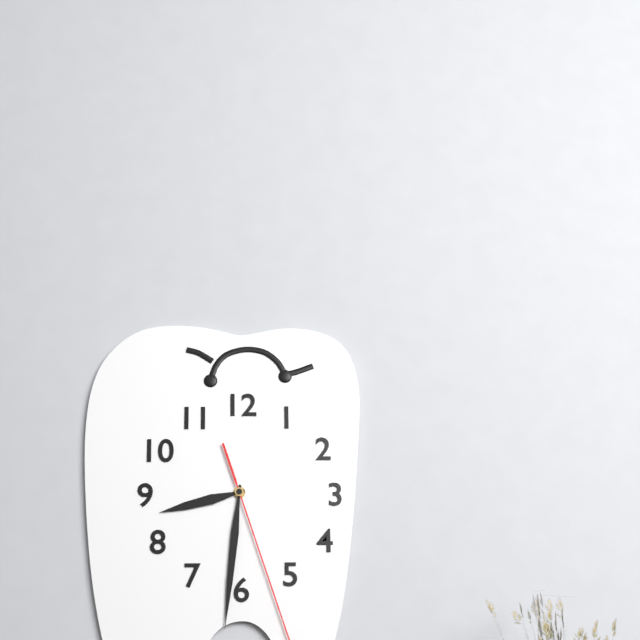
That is h=8 m=31
